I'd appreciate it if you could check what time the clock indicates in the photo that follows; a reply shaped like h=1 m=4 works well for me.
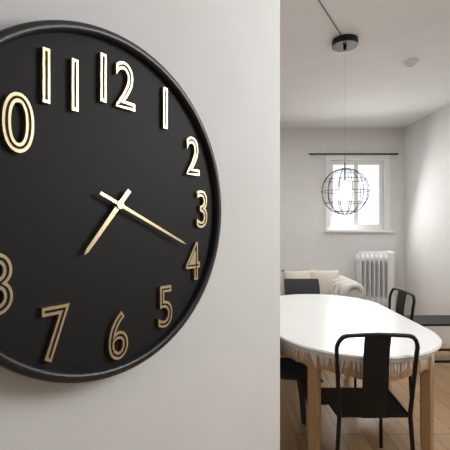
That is h=7 m=19
